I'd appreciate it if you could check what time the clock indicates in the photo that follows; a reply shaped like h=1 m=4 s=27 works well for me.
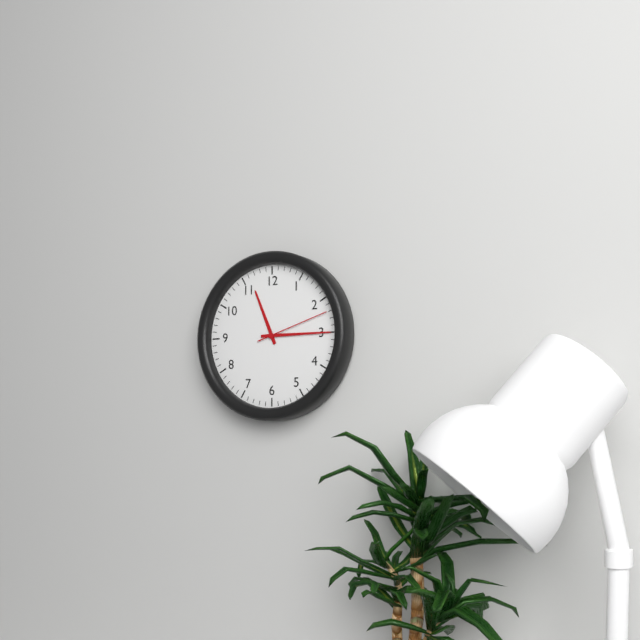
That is h=11 m=15 s=12
